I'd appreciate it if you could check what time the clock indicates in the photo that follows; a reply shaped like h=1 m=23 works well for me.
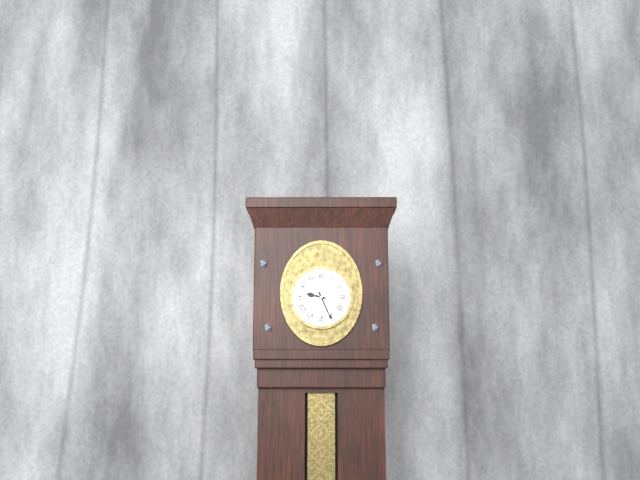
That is h=9 m=26
